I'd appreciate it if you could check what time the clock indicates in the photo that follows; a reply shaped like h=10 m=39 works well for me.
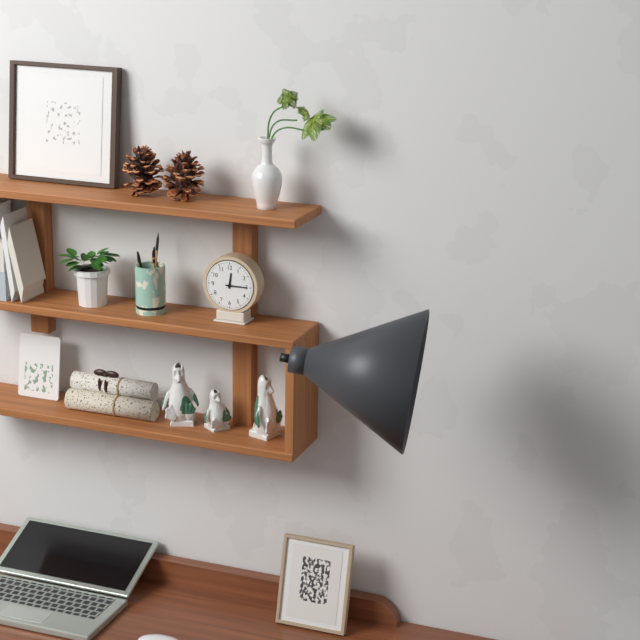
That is h=12 m=15
